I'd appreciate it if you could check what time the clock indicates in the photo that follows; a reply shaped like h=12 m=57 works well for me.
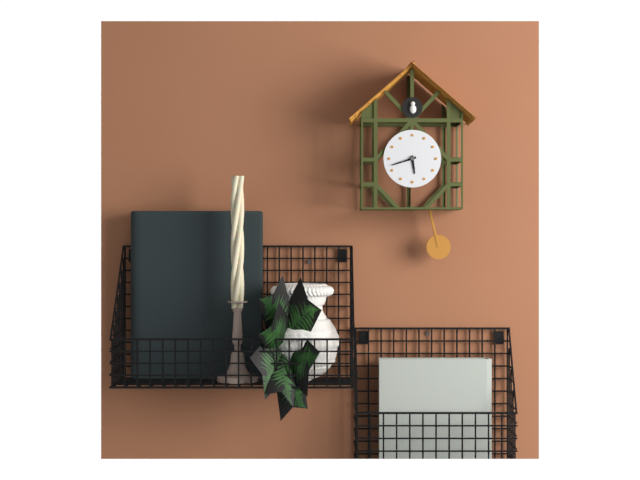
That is h=5 m=42
